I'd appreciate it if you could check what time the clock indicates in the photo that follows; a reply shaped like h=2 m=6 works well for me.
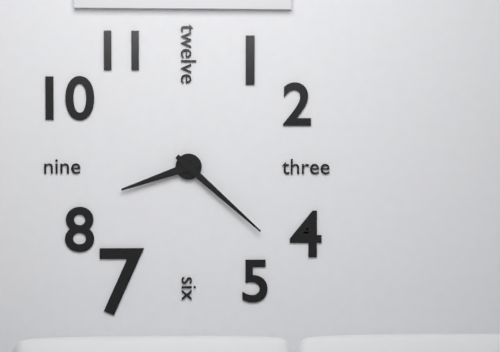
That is h=8 m=22
